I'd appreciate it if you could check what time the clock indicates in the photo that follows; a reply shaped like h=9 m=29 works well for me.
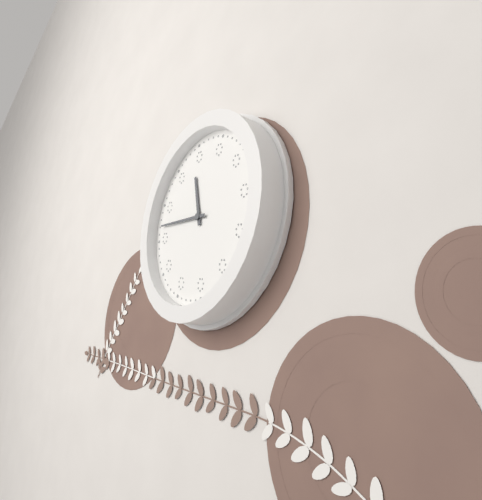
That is h=11 m=47
